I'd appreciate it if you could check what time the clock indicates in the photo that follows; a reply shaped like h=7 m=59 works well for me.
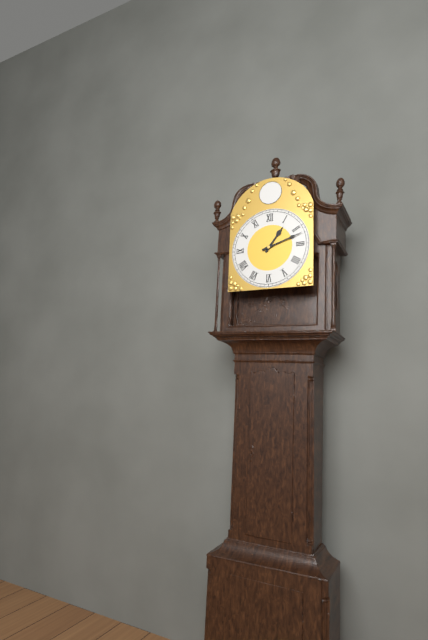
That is h=1 m=12
